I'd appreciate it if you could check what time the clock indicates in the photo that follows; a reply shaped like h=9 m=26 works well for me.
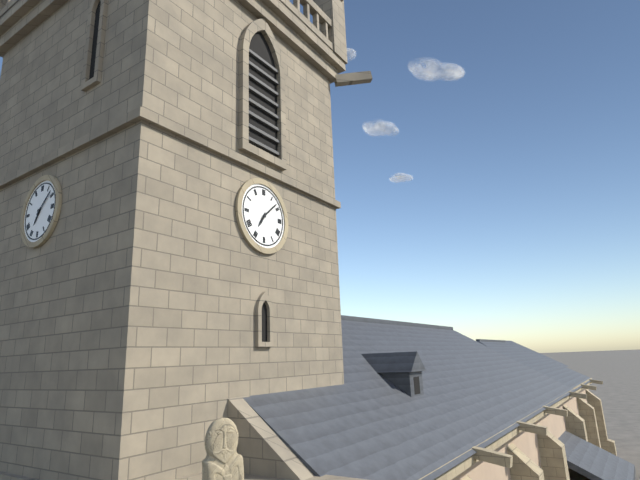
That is h=7 m=8
